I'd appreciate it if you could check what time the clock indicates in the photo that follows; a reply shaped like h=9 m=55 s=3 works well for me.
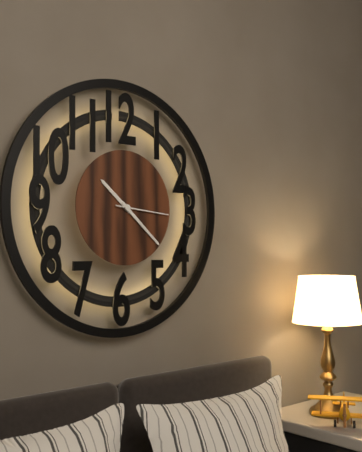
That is h=10 m=22 s=16
